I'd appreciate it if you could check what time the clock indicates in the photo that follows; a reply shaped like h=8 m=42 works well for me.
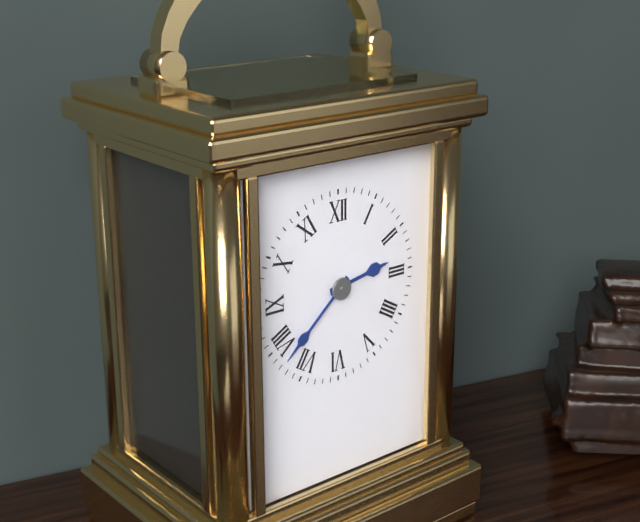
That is h=2 m=38
